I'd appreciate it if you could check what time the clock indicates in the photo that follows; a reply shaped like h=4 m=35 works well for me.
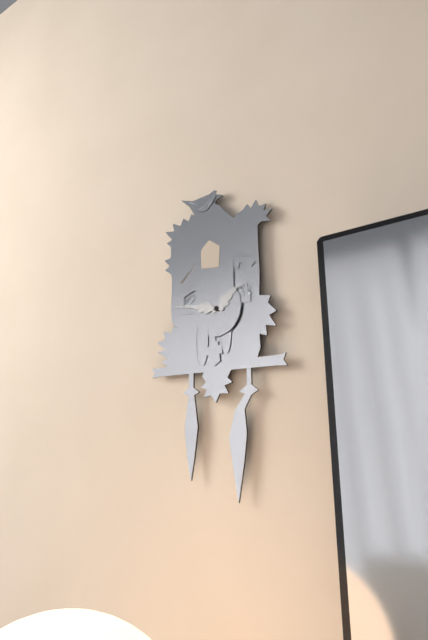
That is h=1 m=47
